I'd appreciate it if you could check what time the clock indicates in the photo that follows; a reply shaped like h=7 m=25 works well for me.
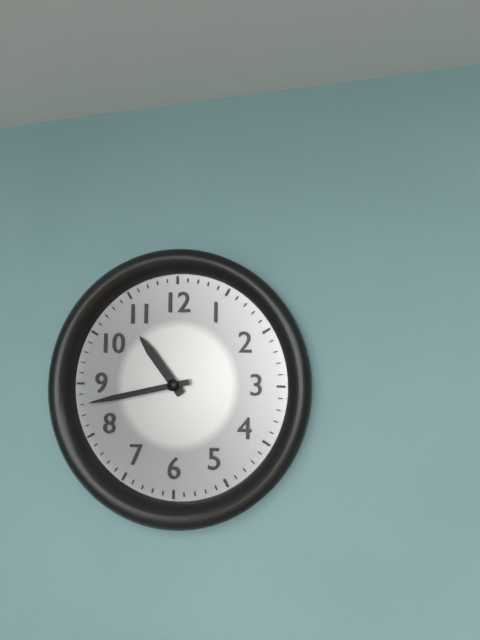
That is h=10 m=43
